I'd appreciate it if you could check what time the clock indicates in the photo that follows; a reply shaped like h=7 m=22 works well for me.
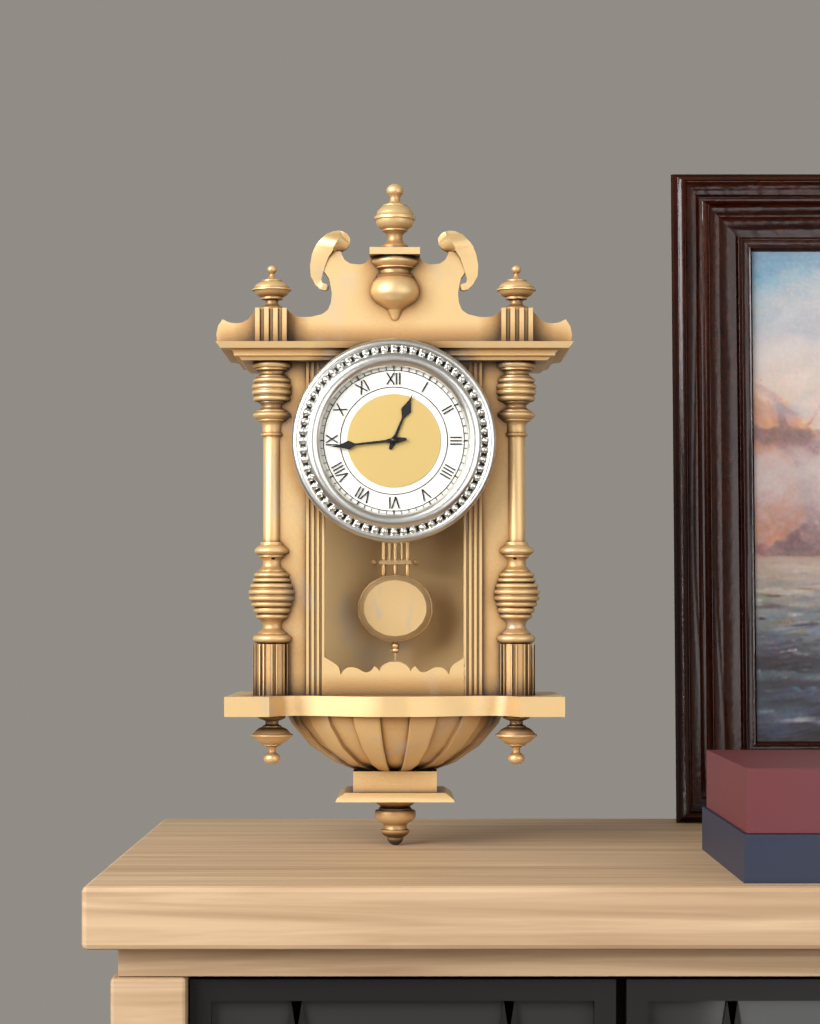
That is h=12 m=44
